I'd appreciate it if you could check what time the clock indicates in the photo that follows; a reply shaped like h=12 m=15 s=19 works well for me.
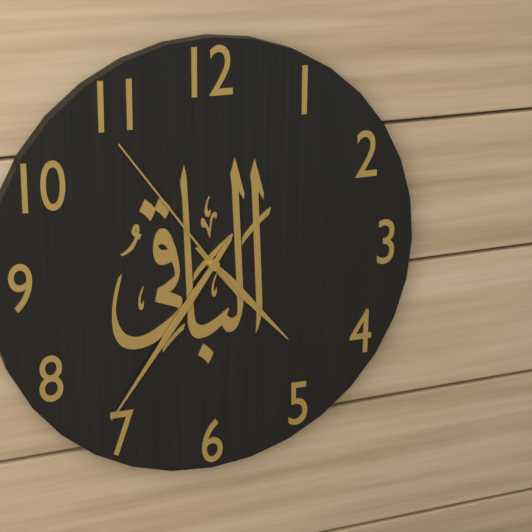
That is h=4 m=36 s=54
